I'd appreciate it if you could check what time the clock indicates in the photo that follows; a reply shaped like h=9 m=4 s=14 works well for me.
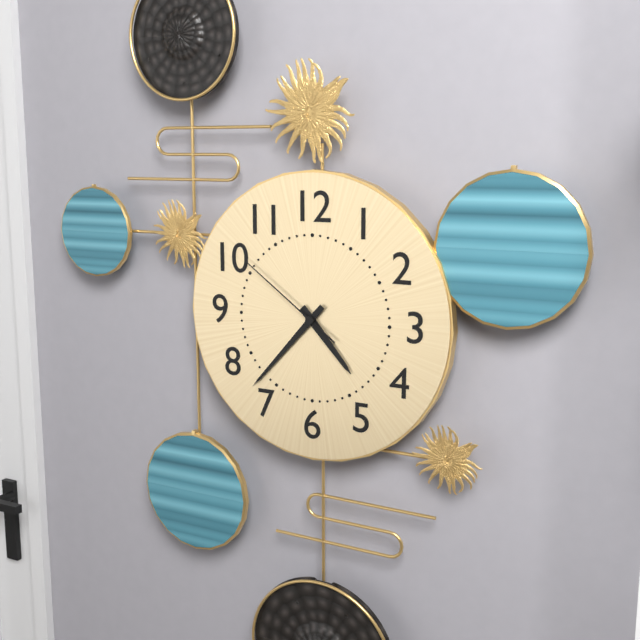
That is h=4 m=37 s=51
